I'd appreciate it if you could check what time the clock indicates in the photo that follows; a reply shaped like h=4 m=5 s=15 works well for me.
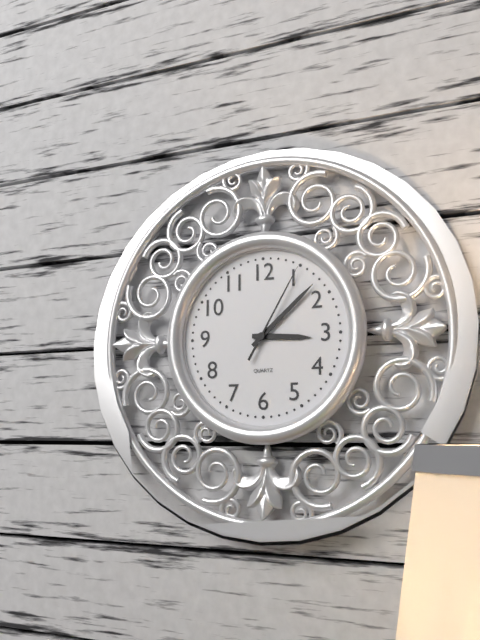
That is h=3 m=8 s=5
